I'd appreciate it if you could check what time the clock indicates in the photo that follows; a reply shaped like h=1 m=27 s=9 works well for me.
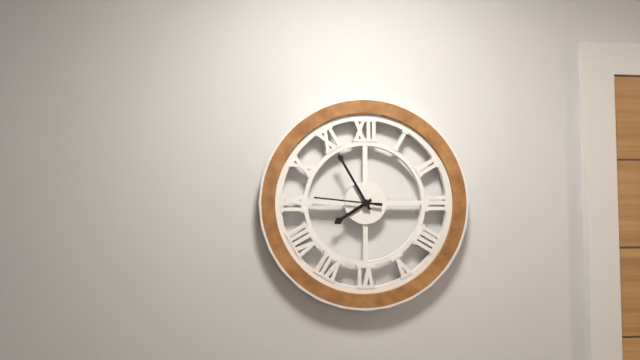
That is h=7 m=55 s=46
